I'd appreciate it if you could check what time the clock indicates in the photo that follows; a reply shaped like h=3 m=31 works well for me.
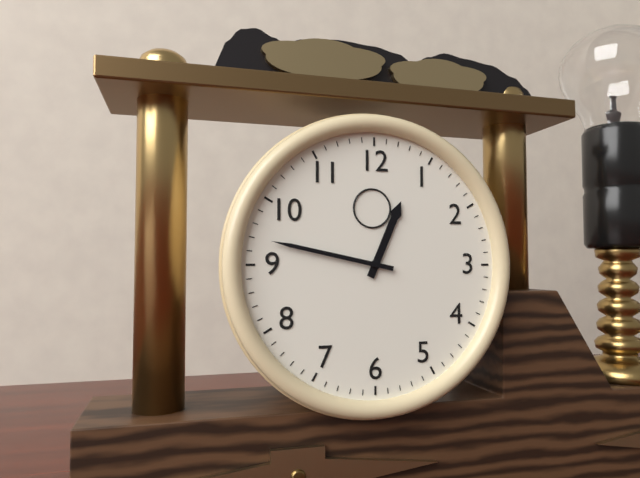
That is h=12 m=47
